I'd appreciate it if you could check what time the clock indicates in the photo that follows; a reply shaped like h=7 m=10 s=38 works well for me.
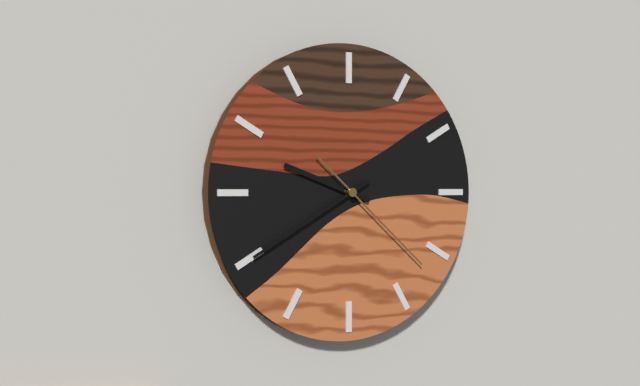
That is h=9 m=40 s=22
